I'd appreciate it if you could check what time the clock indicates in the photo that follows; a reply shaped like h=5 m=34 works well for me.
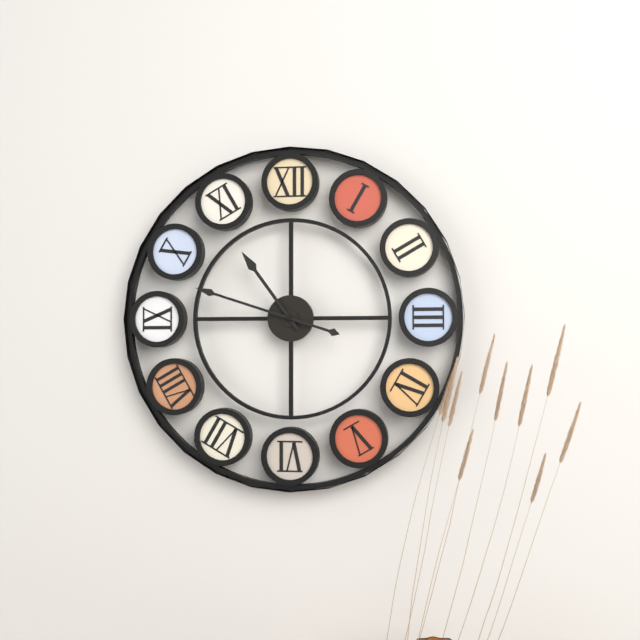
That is h=10 m=48
